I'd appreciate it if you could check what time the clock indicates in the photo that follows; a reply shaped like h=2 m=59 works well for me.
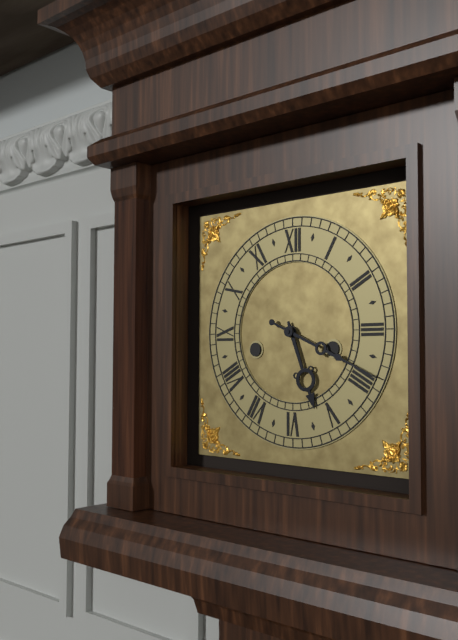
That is h=5 m=19
